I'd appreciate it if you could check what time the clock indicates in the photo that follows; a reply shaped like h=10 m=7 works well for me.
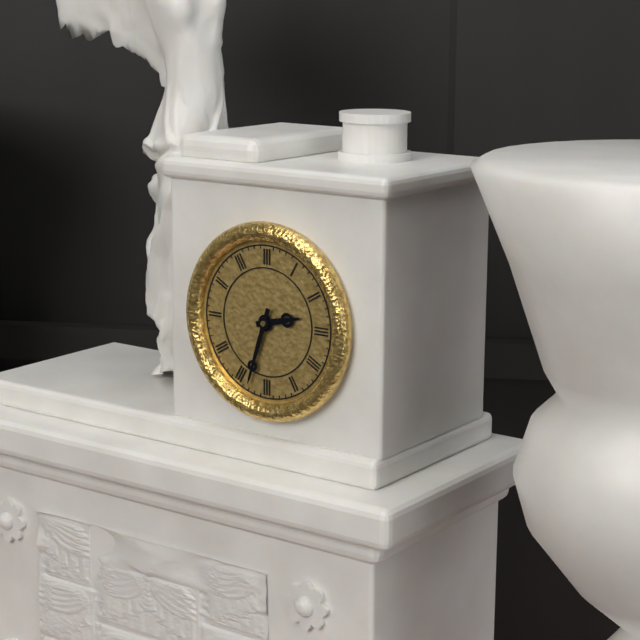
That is h=2 m=33
